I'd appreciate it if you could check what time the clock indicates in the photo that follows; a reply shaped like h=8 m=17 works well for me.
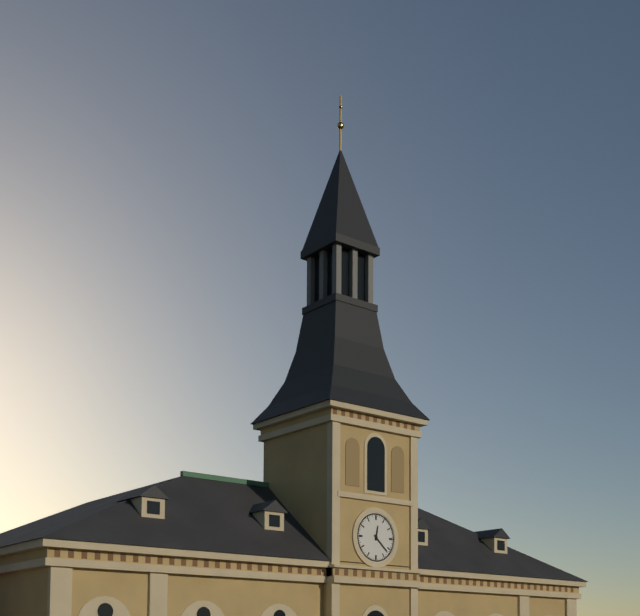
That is h=12 m=22
